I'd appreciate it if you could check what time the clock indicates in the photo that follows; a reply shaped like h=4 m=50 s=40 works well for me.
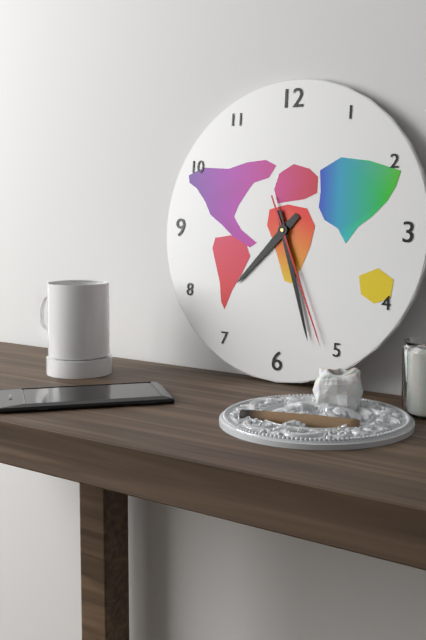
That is h=7 m=27 s=26
